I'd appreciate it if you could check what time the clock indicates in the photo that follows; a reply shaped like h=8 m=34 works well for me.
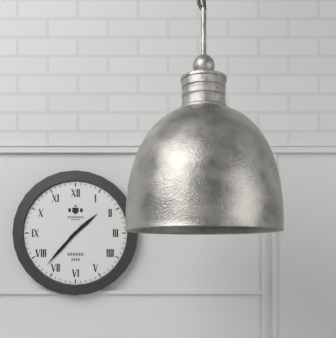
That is h=1 m=37
